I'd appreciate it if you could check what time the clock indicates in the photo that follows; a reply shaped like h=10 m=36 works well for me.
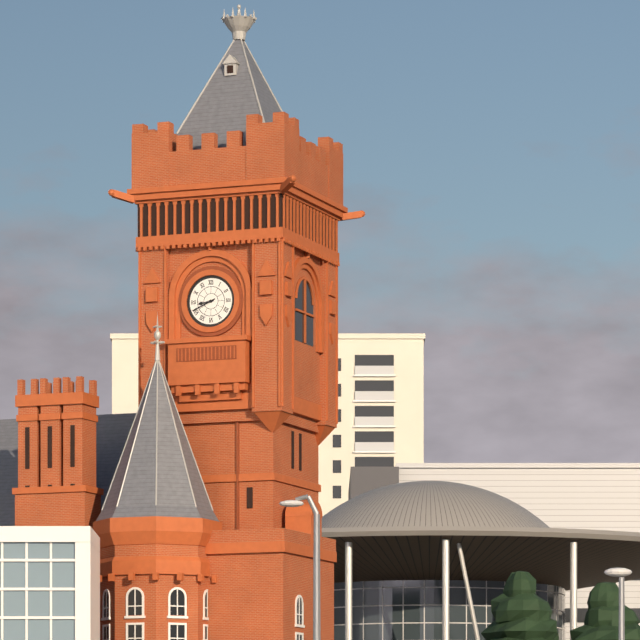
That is h=8 m=41
